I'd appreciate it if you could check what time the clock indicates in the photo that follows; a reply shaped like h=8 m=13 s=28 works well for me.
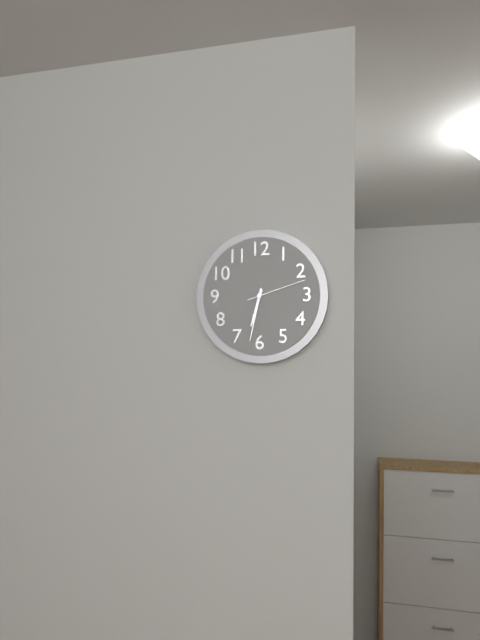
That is h=6 m=32 s=12
